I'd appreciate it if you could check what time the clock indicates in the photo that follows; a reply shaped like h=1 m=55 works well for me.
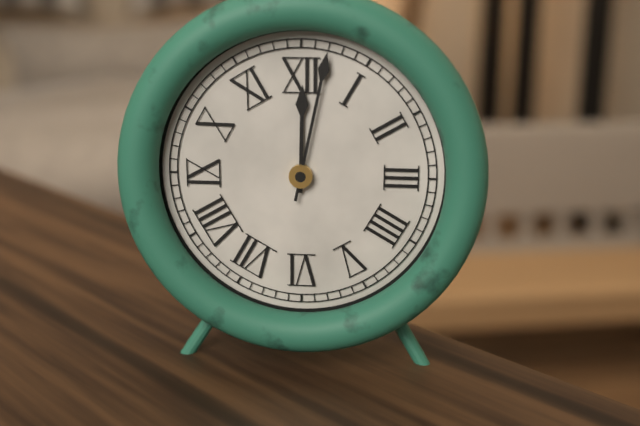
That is h=12 m=2
